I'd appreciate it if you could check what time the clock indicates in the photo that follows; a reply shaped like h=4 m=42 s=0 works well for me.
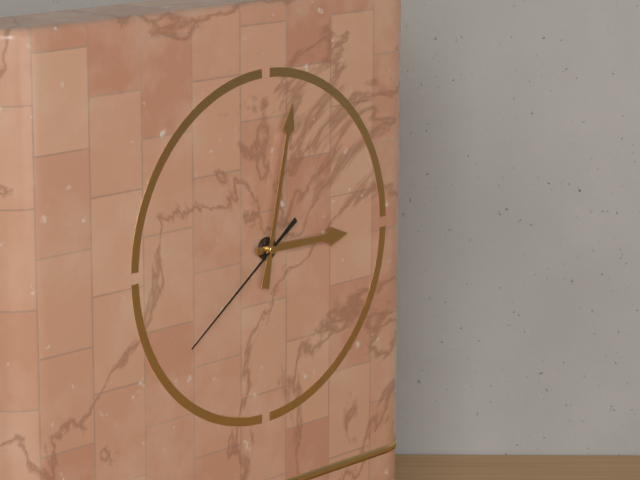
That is h=3 m=2 s=39
